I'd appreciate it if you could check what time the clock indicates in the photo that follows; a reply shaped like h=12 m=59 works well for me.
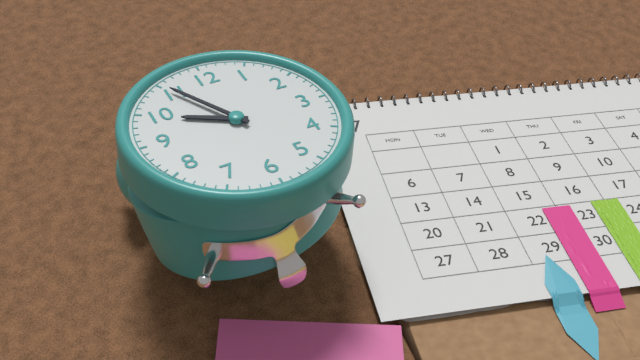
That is h=9 m=55
